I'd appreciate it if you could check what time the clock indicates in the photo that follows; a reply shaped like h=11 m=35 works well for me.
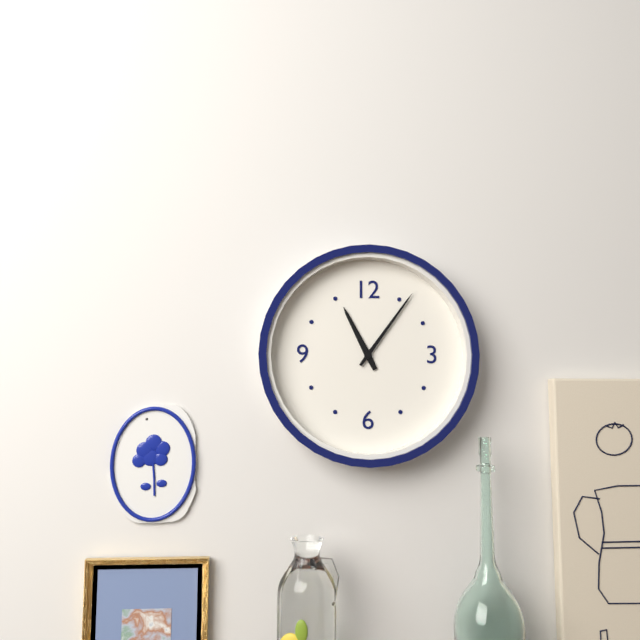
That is h=11 m=6
